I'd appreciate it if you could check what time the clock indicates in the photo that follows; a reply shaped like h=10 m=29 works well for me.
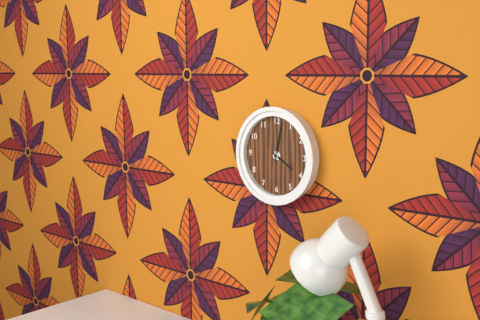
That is h=4 m=2
